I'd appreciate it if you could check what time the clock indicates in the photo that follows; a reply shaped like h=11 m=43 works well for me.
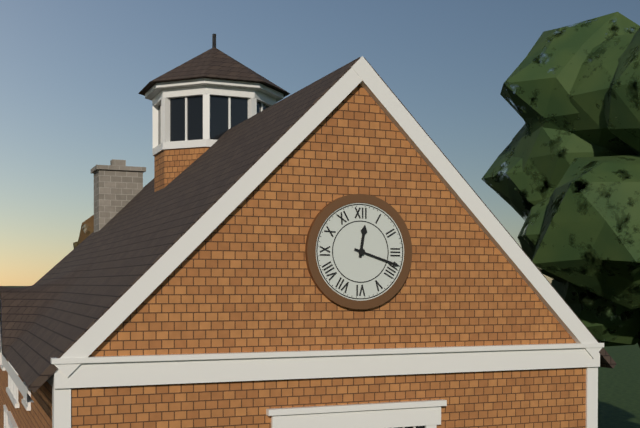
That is h=12 m=18
